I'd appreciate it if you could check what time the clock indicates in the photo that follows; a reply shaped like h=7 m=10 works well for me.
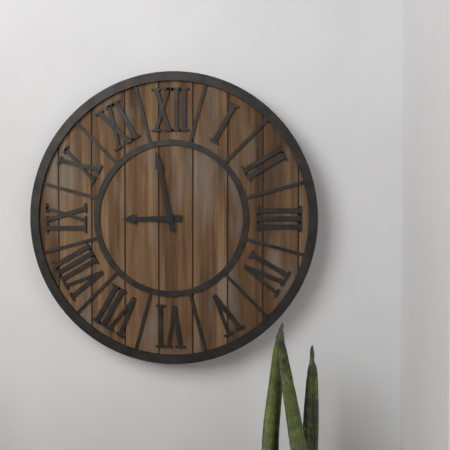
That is h=8 m=58
